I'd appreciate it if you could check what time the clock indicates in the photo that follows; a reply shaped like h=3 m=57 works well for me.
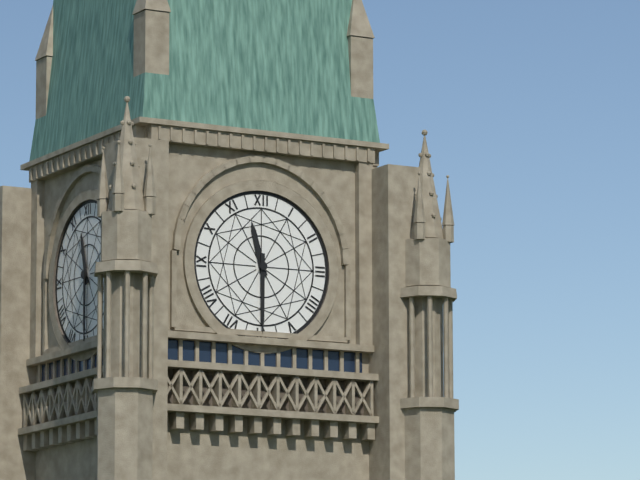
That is h=11 m=30
